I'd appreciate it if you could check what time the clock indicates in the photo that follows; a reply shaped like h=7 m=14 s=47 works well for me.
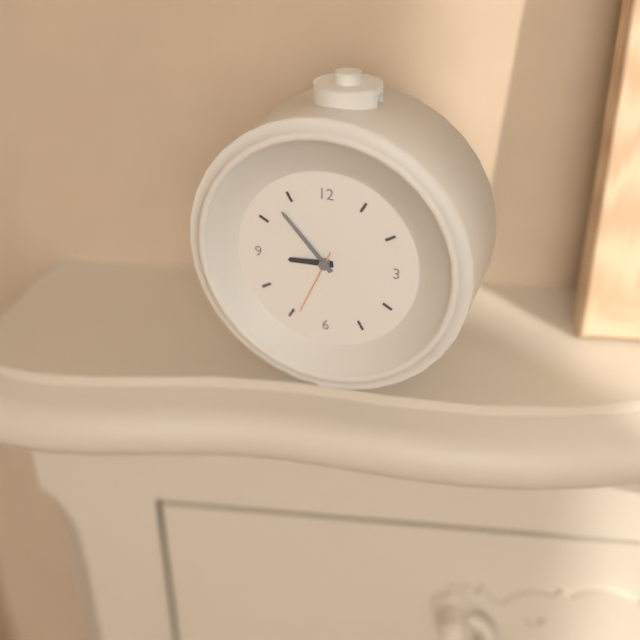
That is h=8 m=53 s=34
